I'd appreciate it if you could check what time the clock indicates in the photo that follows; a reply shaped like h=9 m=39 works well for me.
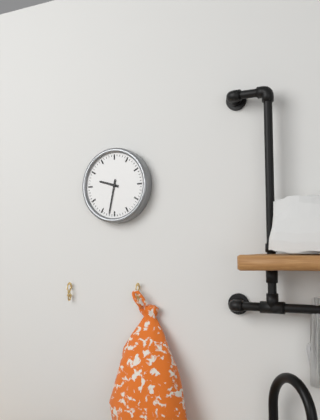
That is h=9 m=32
